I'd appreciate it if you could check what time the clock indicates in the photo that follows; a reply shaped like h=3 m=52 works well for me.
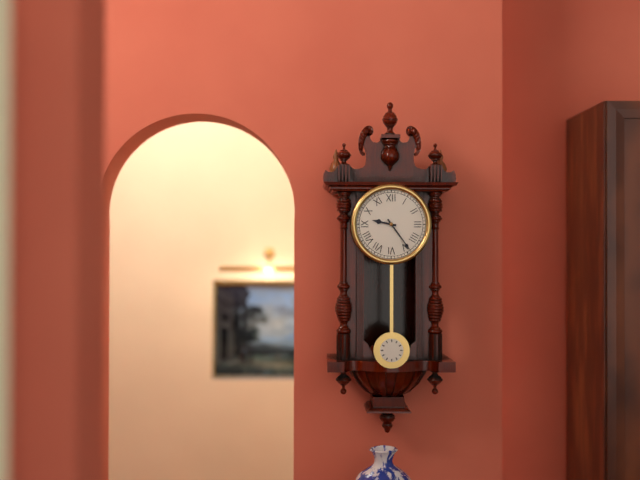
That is h=9 m=24
